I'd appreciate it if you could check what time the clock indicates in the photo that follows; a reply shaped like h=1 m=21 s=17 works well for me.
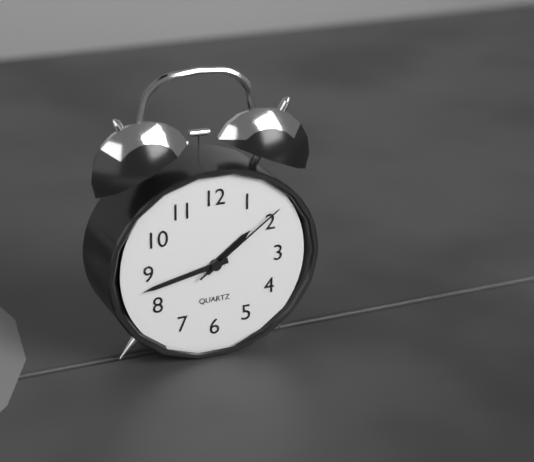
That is h=1 m=43 s=9
